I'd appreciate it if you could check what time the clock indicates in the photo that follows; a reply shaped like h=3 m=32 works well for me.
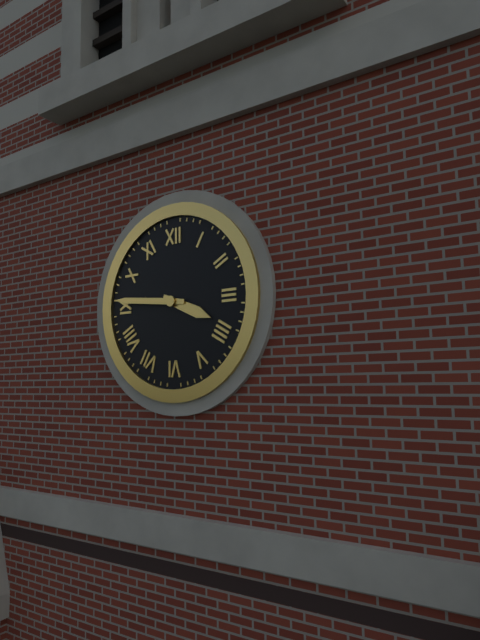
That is h=3 m=46
